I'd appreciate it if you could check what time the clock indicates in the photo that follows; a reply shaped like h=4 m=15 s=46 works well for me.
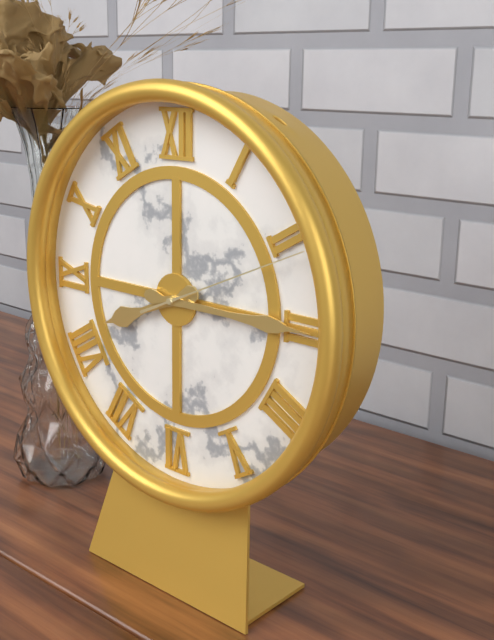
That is h=8 m=15 s=11
